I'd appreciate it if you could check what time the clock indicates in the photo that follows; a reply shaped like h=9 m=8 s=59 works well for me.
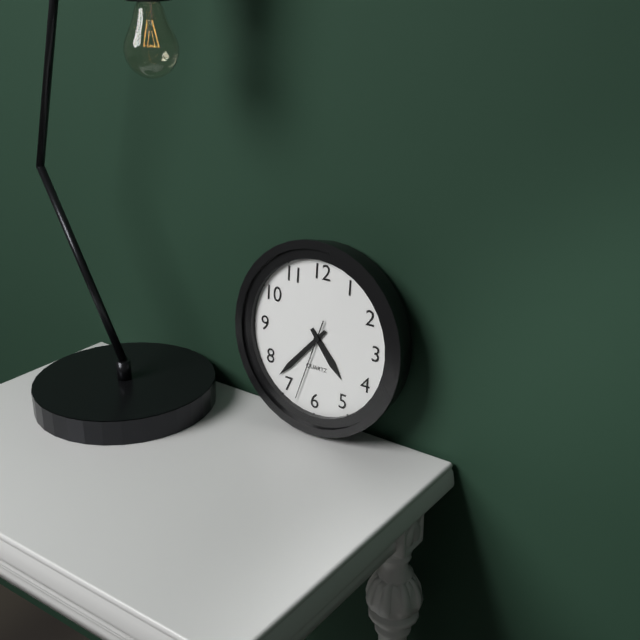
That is h=4 m=37 s=33
